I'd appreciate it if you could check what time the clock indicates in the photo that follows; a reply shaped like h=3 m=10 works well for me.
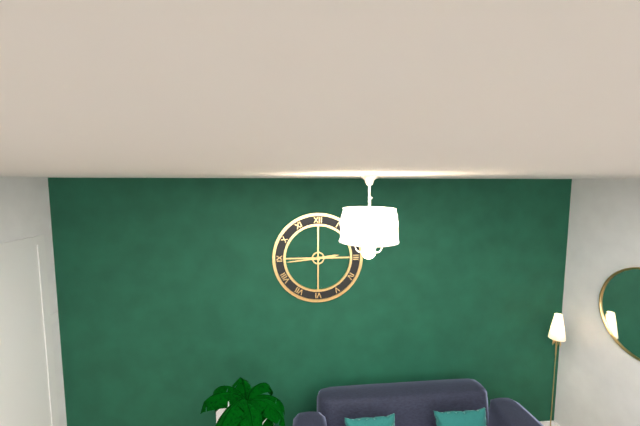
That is h=2 m=44
